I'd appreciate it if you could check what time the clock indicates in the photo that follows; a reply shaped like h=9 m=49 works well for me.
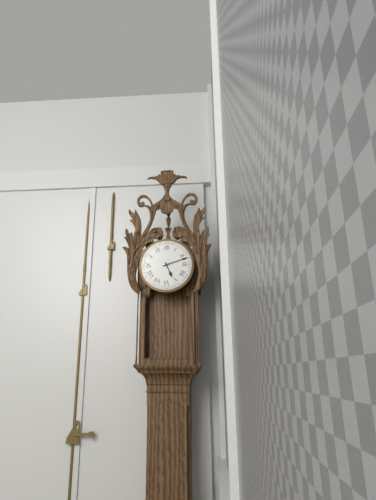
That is h=5 m=12
